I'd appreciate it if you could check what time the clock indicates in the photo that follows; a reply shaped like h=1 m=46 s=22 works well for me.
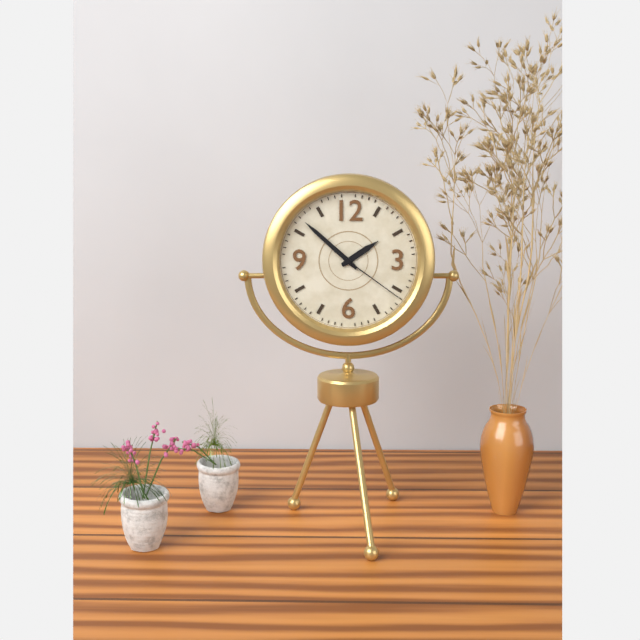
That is h=1 m=52 s=21
